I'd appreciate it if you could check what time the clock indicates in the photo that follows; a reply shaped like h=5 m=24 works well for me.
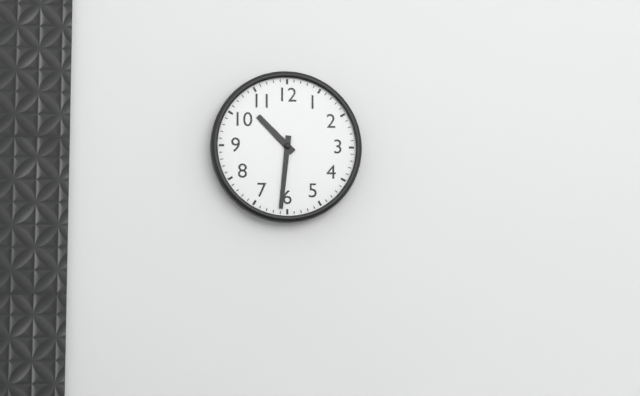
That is h=10 m=31
